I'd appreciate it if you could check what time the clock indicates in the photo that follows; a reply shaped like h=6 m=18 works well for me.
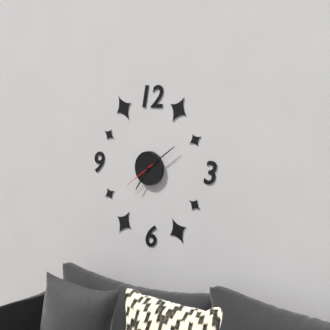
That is h=7 m=9
